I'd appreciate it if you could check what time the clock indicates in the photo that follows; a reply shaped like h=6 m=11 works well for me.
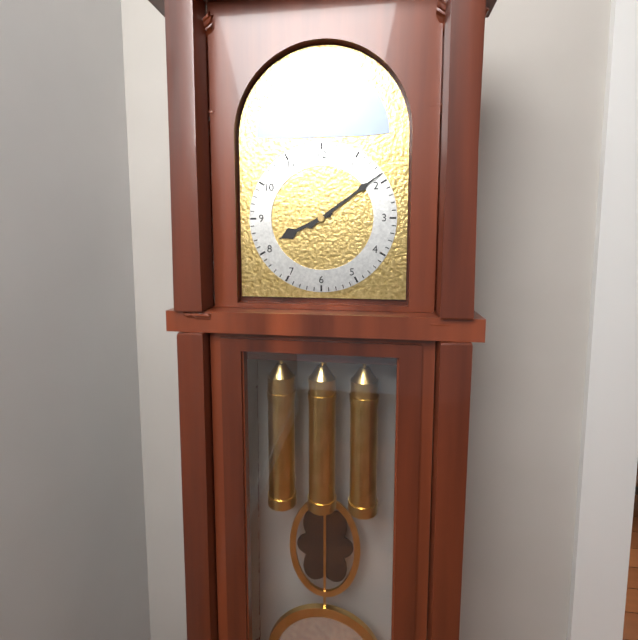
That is h=8 m=9
